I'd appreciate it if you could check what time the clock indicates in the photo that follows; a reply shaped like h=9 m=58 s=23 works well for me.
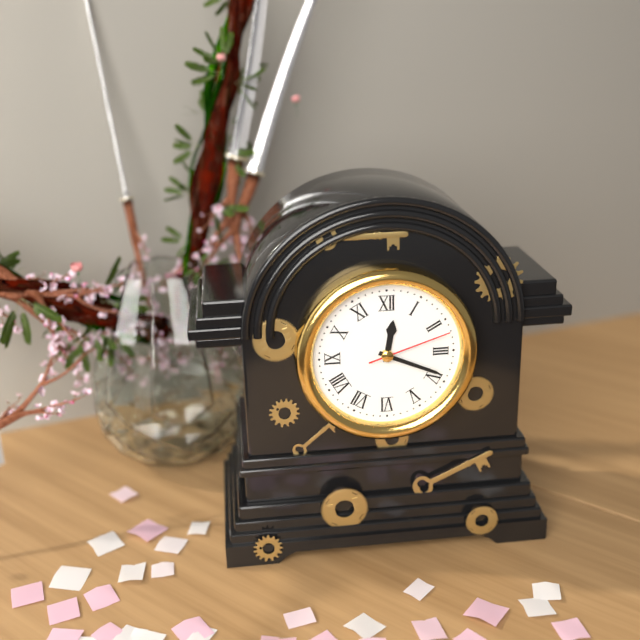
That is h=12 m=19 s=12
